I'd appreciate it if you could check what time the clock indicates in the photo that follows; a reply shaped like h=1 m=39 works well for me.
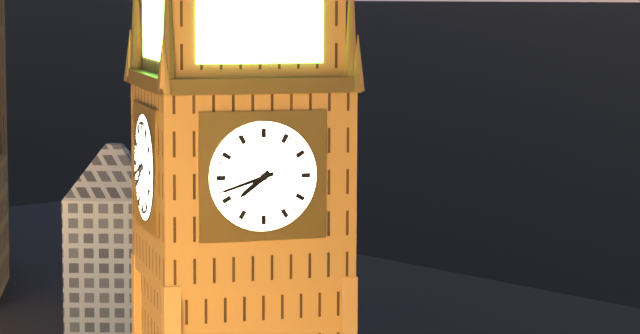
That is h=7 m=42
